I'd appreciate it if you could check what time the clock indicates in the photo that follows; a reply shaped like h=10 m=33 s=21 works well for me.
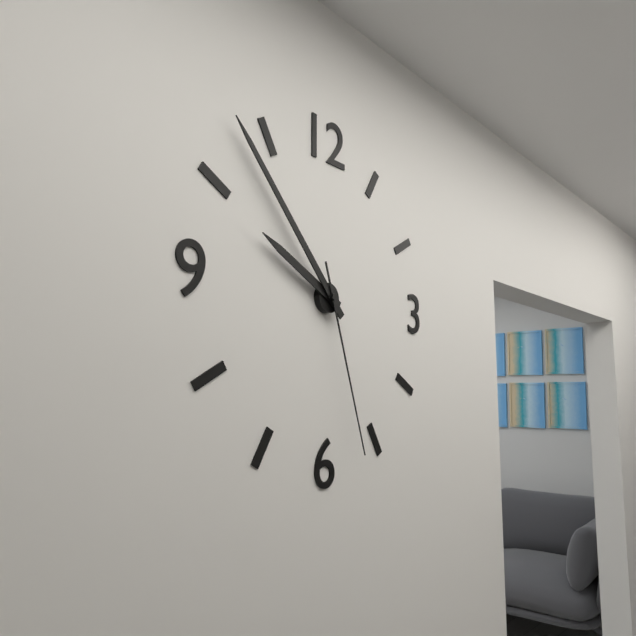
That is h=9 m=53 s=27
